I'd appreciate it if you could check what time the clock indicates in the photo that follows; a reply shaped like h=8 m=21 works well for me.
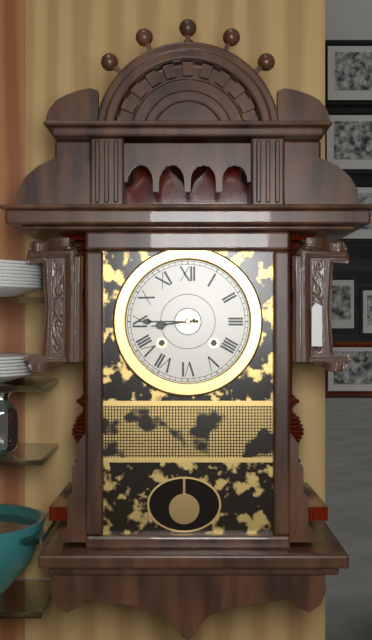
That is h=8 m=45
